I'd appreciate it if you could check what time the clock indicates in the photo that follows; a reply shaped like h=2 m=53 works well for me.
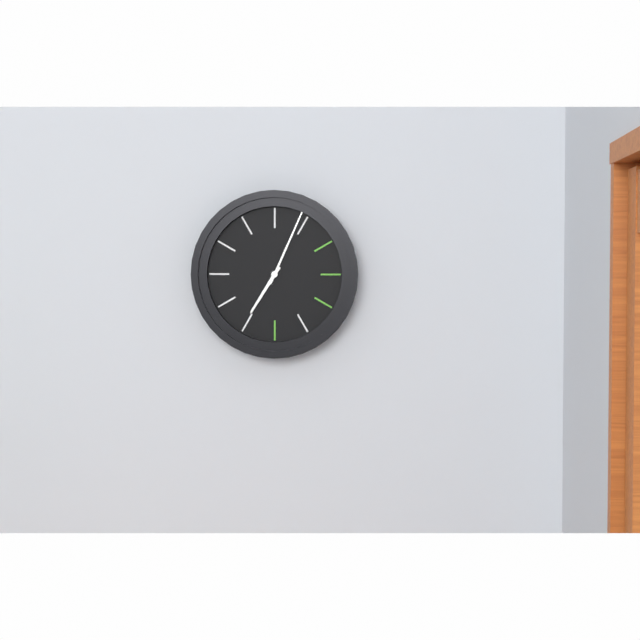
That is h=7 m=4
